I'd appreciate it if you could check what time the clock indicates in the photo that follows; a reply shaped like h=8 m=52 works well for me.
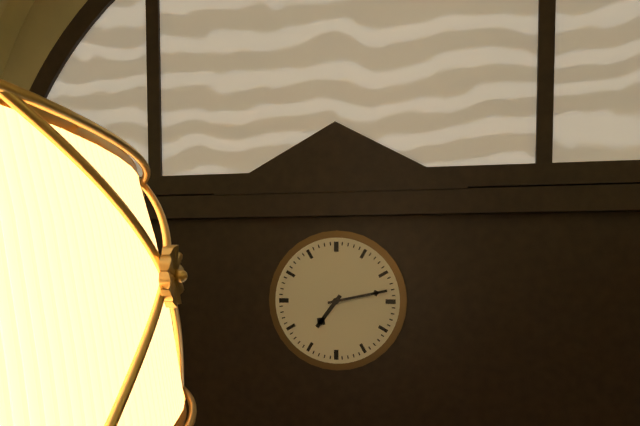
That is h=7 m=13
